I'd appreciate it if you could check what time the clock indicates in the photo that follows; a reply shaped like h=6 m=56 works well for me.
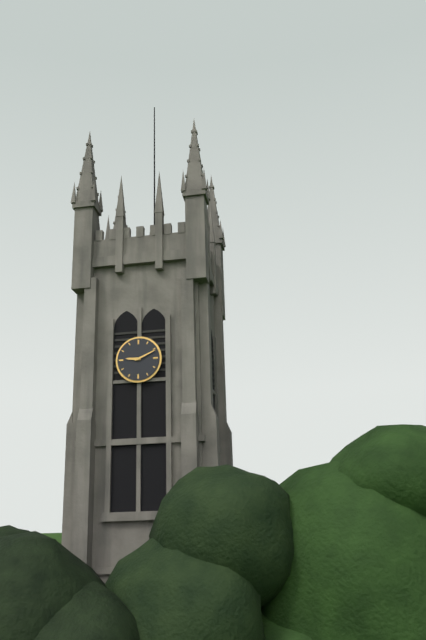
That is h=9 m=11
